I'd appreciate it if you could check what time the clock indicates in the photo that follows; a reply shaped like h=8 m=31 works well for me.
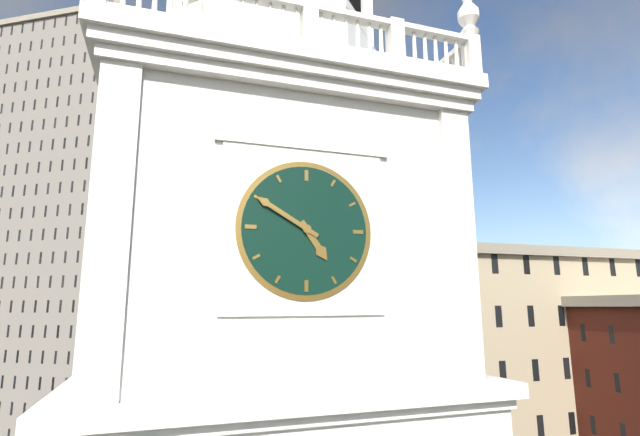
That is h=4 m=50
